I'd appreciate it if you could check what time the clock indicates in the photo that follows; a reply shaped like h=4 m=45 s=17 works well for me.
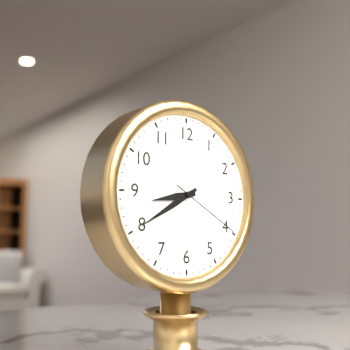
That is h=8 m=40 s=20
